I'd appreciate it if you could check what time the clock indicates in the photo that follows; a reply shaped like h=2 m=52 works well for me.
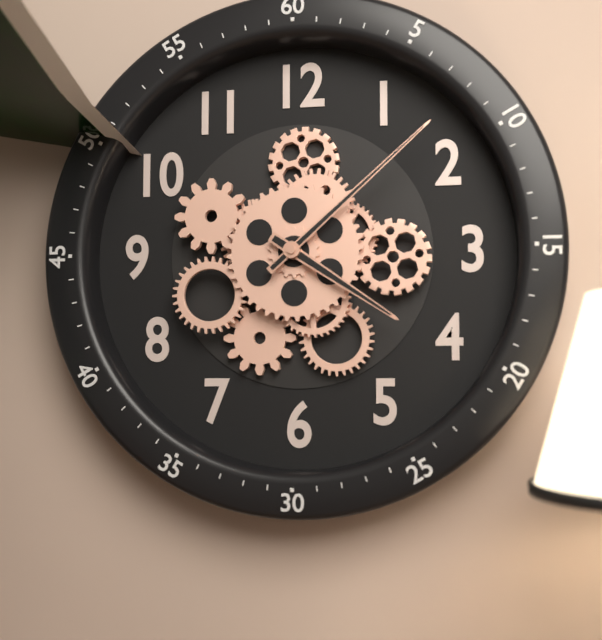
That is h=4 m=8
